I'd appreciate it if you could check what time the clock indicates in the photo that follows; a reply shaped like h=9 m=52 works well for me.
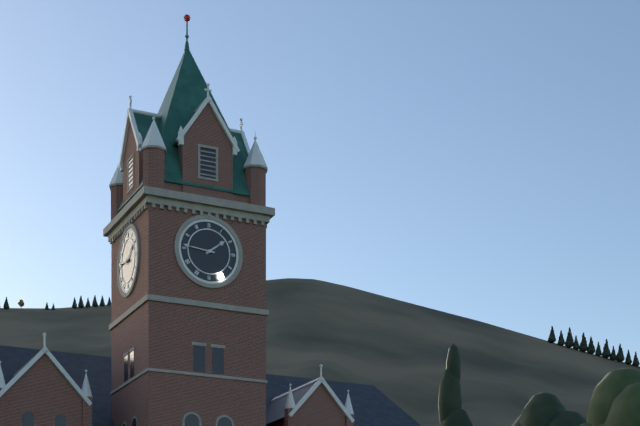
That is h=1 m=46
